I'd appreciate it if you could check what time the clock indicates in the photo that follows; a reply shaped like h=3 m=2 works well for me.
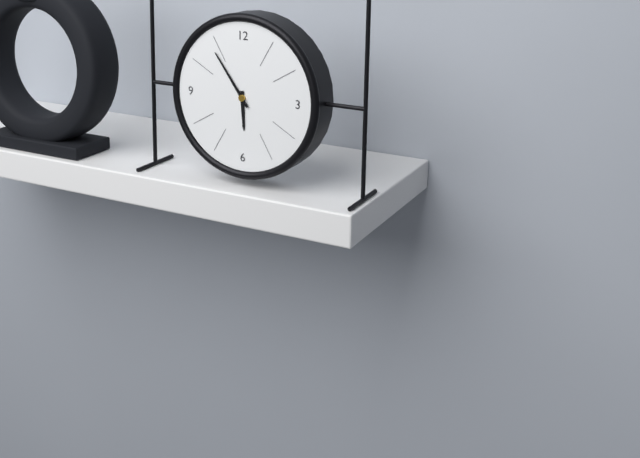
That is h=5 m=54
